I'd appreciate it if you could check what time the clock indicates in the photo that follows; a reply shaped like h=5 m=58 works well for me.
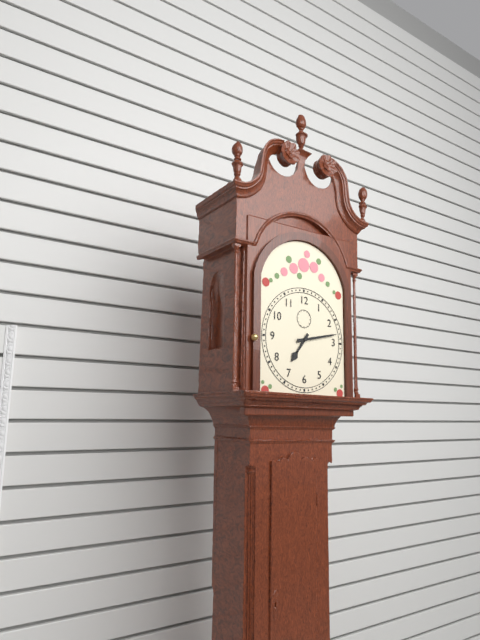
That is h=7 m=13
